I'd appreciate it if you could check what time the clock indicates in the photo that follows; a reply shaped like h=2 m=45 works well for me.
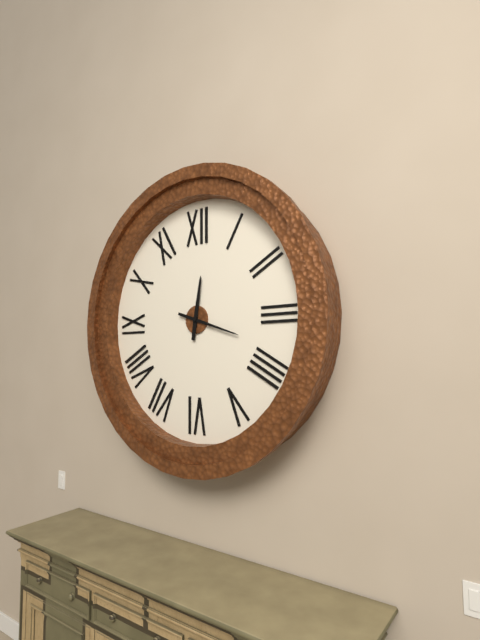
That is h=12 m=18
